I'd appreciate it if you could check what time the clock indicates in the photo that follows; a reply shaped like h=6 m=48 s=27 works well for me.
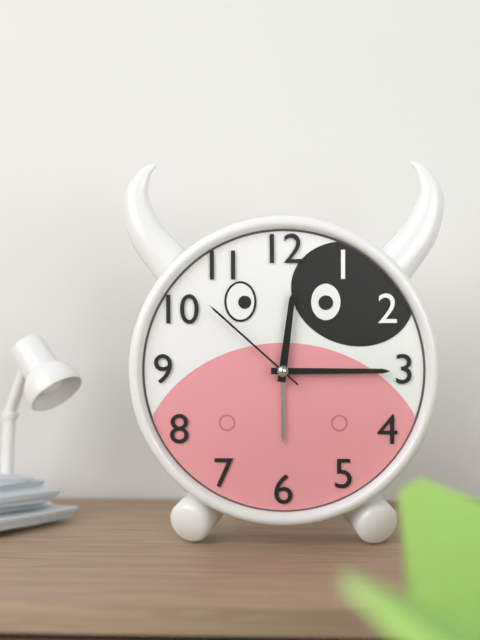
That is h=12 m=15 s=52
